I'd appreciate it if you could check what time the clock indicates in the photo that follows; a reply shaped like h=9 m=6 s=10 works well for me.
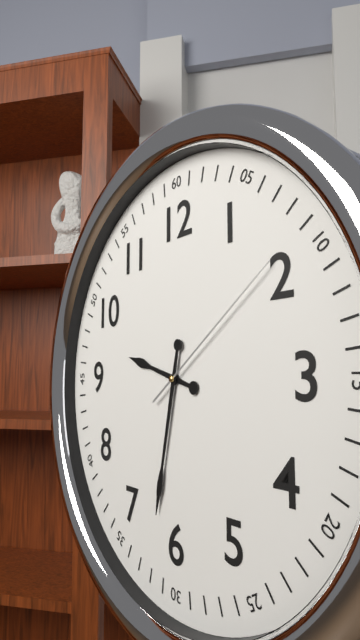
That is h=9 m=32 s=9
